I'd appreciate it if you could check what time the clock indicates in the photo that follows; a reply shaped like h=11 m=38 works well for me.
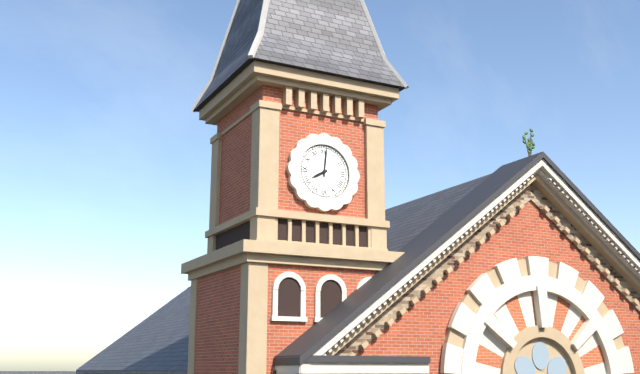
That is h=8 m=1
